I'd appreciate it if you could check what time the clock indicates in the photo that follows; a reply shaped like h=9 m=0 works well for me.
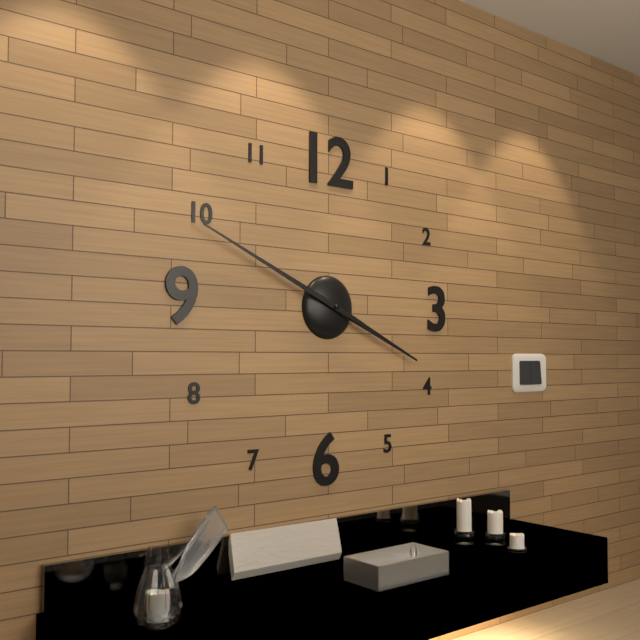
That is h=3 m=49
